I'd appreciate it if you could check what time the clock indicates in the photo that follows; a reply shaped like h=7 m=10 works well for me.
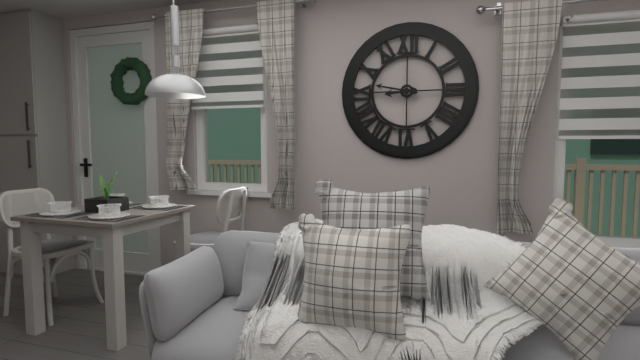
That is h=8 m=47
